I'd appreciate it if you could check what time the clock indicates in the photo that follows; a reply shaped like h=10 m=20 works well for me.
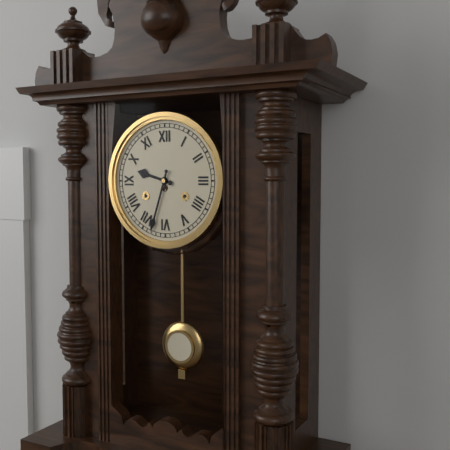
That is h=9 m=33
